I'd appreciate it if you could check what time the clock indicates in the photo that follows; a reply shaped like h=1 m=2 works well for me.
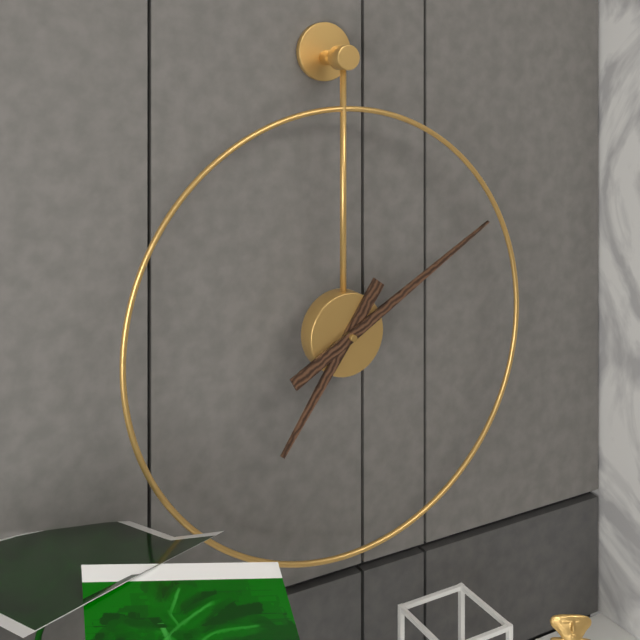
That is h=7 m=10
